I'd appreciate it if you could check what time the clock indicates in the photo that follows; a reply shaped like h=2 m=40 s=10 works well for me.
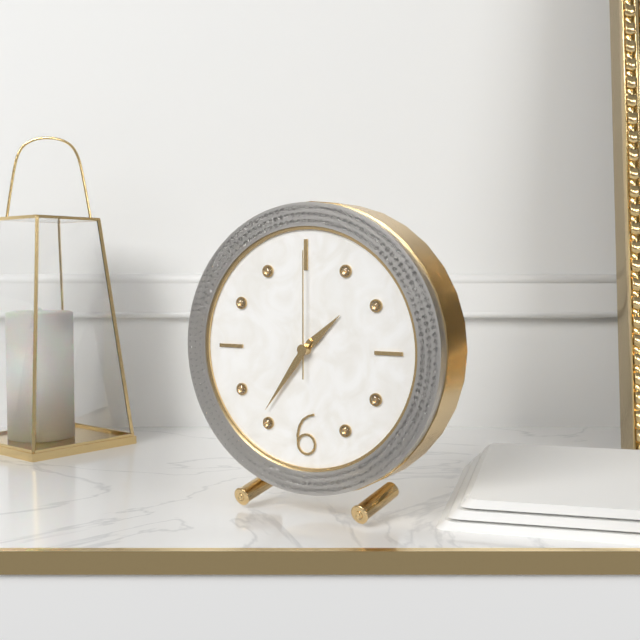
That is h=1 m=36 s=0
